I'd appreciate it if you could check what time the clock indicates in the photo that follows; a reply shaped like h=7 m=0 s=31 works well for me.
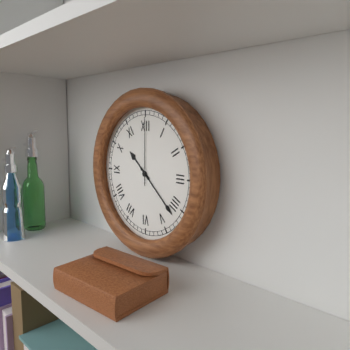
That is h=10 m=22 s=0
